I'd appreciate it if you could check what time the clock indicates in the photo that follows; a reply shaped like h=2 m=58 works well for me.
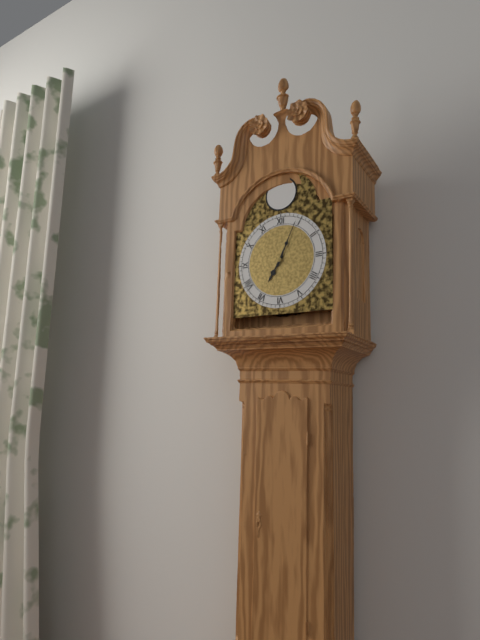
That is h=7 m=4
